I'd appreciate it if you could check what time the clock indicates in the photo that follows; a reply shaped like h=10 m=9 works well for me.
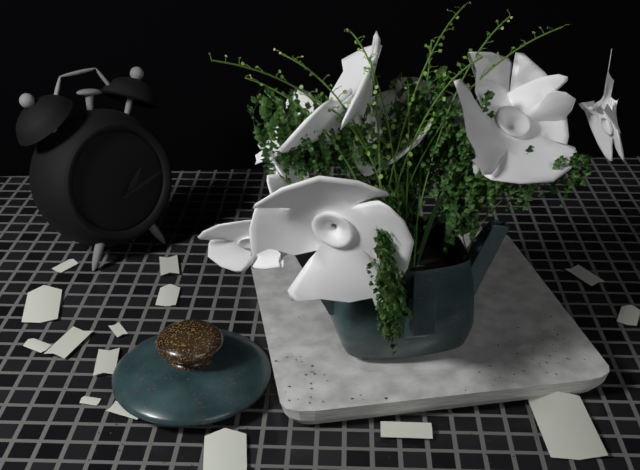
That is h=1 m=12
